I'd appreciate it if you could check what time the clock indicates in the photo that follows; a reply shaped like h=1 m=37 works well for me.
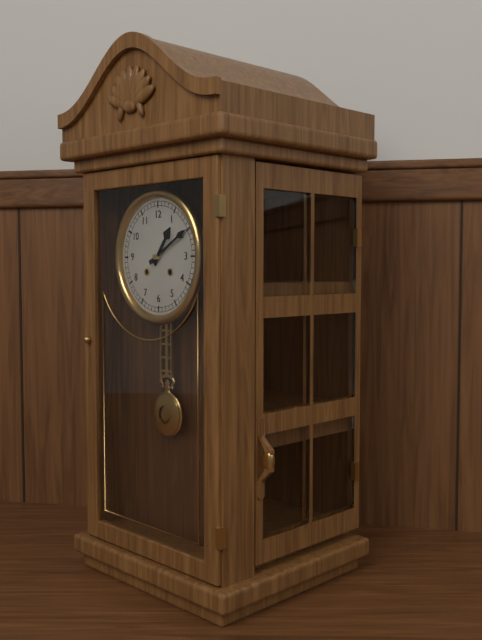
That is h=1 m=10
